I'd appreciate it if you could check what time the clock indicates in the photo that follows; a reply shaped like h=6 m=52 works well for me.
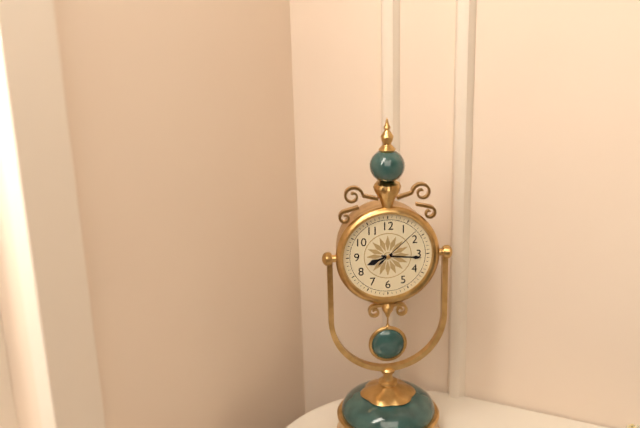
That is h=8 m=16
